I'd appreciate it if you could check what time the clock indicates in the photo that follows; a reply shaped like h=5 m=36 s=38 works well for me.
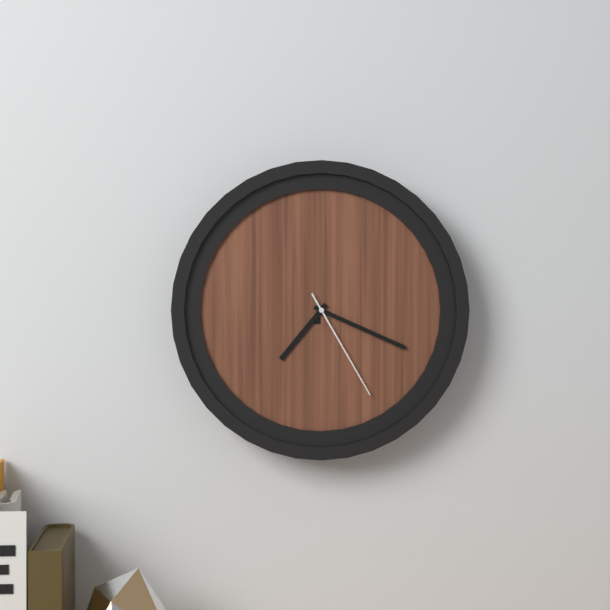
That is h=7 m=19 s=25
